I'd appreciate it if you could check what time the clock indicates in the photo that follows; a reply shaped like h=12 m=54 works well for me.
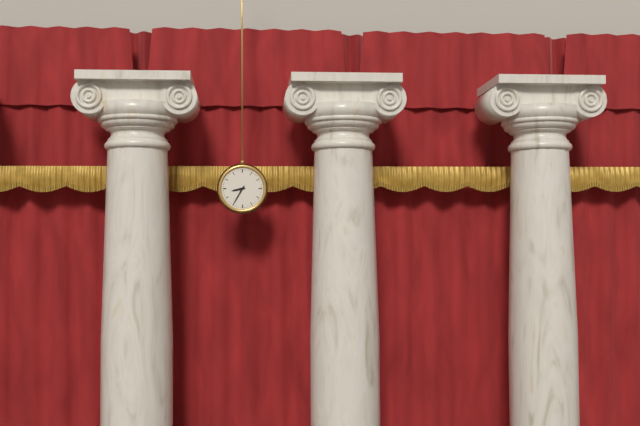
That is h=8 m=35
